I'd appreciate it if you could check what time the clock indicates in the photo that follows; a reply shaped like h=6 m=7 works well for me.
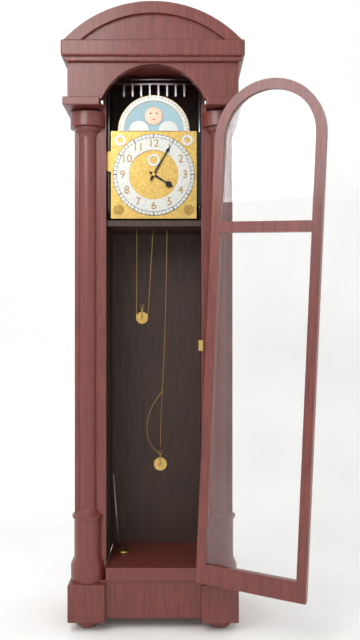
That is h=4 m=5
